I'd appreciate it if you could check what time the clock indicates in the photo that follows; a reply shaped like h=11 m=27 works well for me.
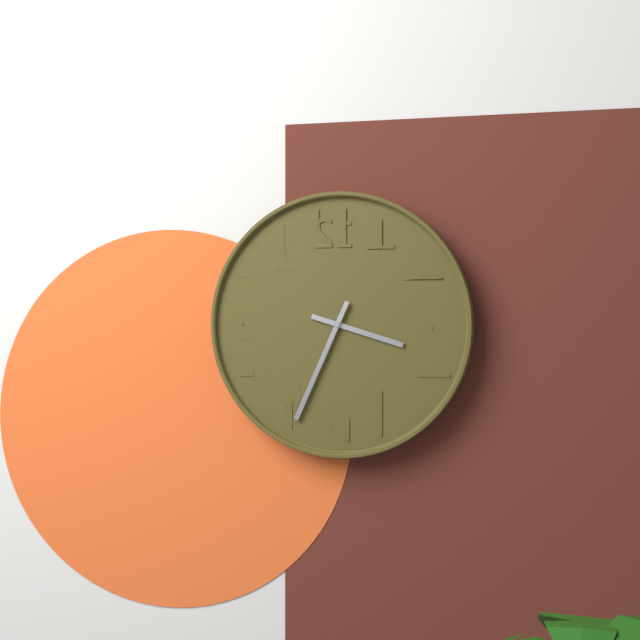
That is h=3 m=34
